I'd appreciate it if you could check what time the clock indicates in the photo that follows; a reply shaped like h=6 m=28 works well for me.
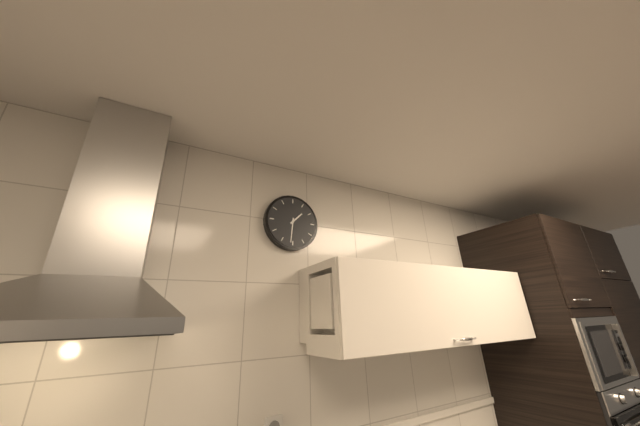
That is h=1 m=31
